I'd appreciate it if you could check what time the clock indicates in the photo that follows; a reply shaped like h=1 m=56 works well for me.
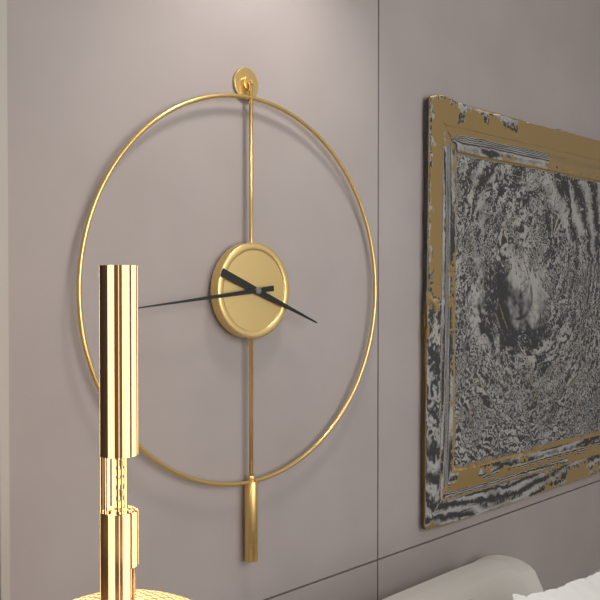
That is h=3 m=44
